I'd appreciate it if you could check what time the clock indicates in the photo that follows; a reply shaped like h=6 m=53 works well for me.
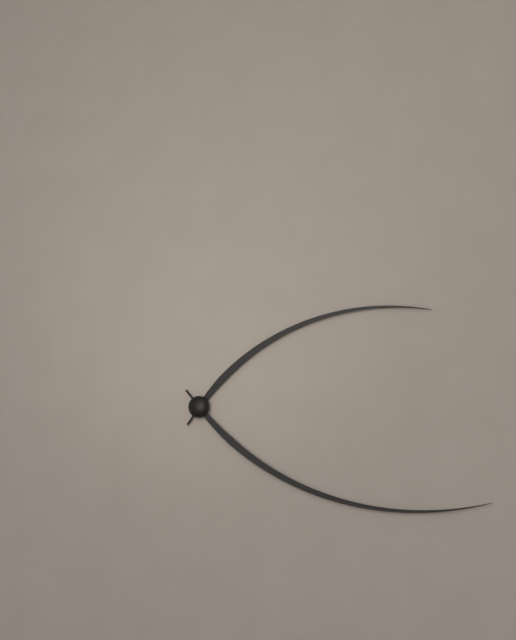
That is h=2 m=18
